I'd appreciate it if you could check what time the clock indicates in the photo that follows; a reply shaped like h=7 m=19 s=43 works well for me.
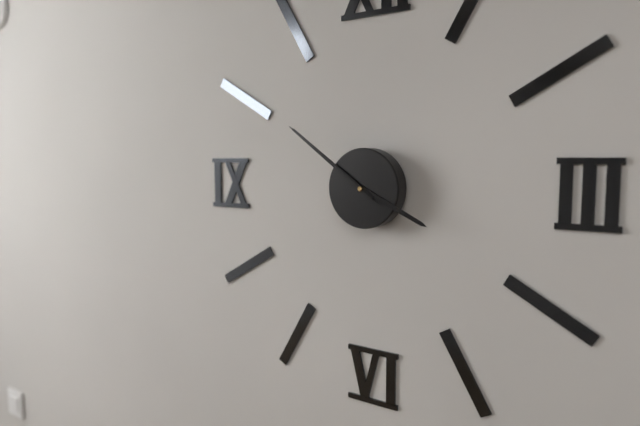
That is h=3 m=51 s=51
